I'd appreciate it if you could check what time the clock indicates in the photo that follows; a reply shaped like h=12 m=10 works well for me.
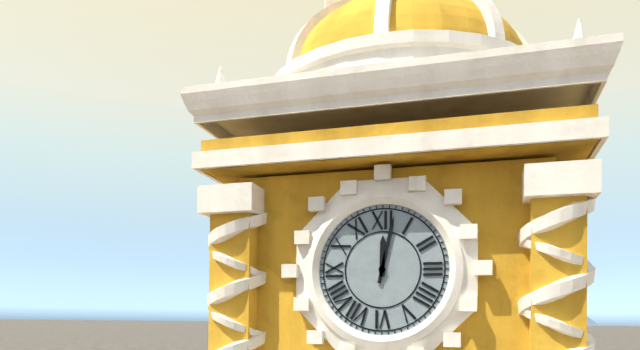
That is h=12 m=2
